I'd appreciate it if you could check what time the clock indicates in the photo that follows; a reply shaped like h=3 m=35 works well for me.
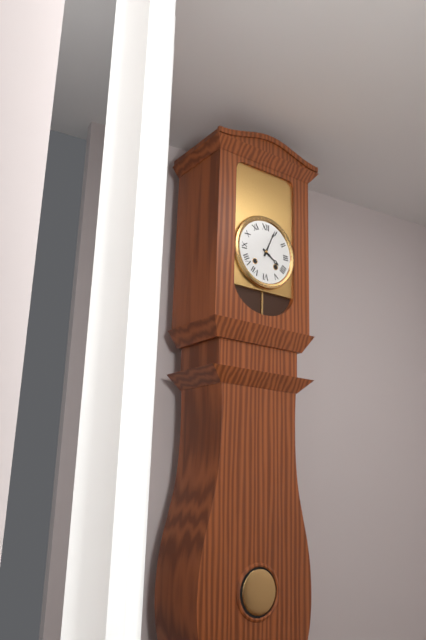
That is h=4 m=4
